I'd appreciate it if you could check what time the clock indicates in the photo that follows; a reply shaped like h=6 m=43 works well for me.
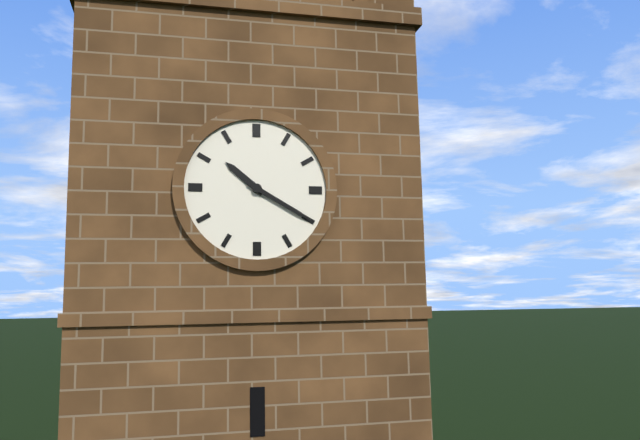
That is h=10 m=20
